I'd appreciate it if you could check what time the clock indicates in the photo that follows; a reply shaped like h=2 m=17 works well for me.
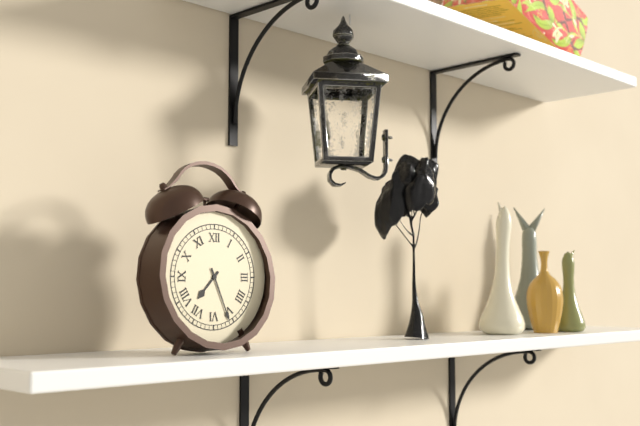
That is h=7 m=26
